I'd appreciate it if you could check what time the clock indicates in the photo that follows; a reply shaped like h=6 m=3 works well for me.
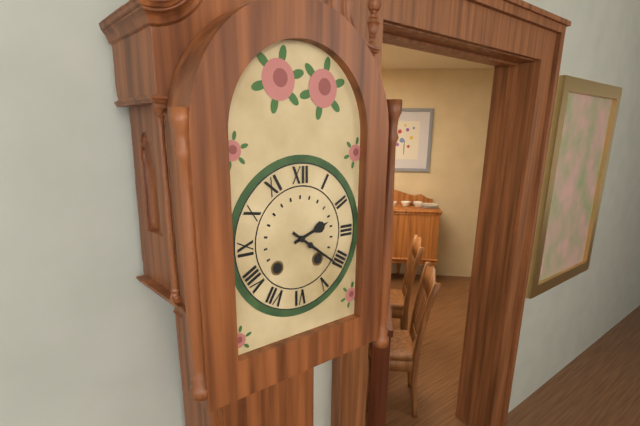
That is h=2 m=21
